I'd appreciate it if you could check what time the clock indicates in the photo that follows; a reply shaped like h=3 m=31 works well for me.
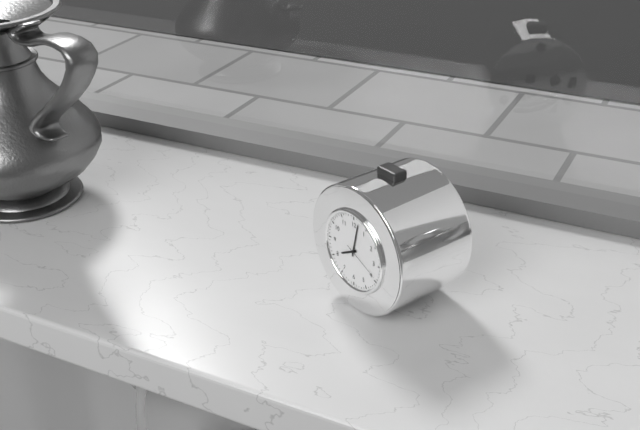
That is h=8 m=2
